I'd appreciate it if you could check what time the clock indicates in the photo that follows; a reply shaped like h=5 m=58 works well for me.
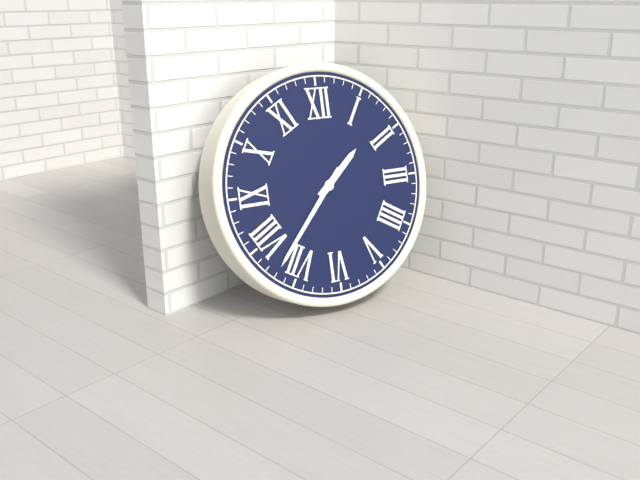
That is h=1 m=37
